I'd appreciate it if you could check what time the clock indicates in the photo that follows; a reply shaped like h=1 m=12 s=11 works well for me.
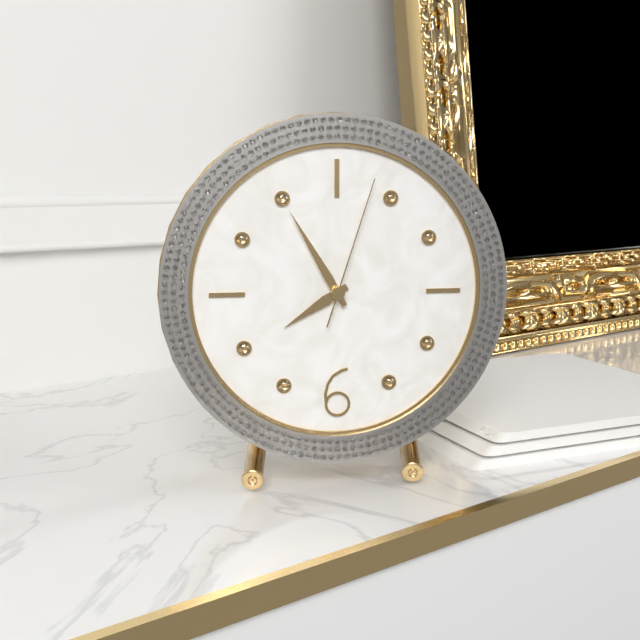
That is h=7 m=55 s=3
